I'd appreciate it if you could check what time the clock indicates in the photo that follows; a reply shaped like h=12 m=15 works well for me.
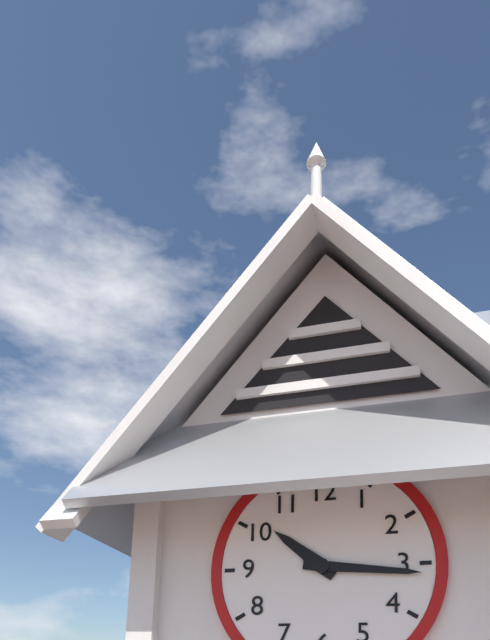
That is h=10 m=16
